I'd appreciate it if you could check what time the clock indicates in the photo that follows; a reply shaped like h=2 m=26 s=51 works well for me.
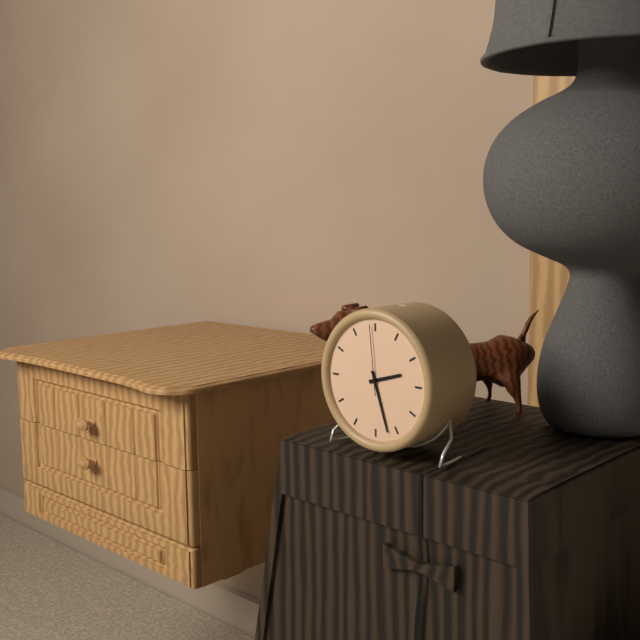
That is h=2 m=27 s=59
